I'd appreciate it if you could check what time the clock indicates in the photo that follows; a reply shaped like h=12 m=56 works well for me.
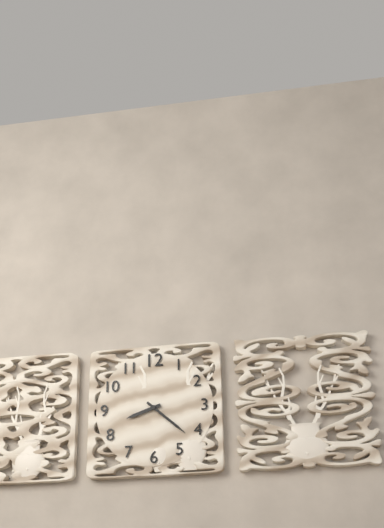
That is h=8 m=22
